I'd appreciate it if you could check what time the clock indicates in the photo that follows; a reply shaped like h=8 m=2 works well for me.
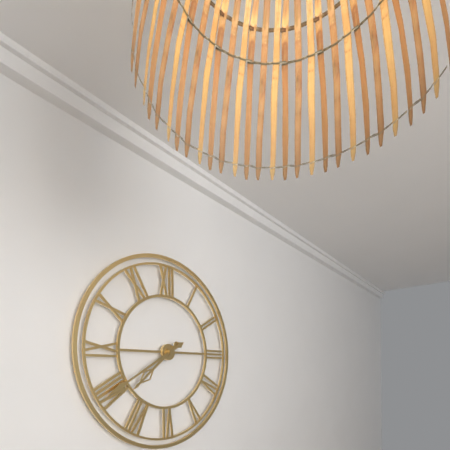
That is h=7 m=40
